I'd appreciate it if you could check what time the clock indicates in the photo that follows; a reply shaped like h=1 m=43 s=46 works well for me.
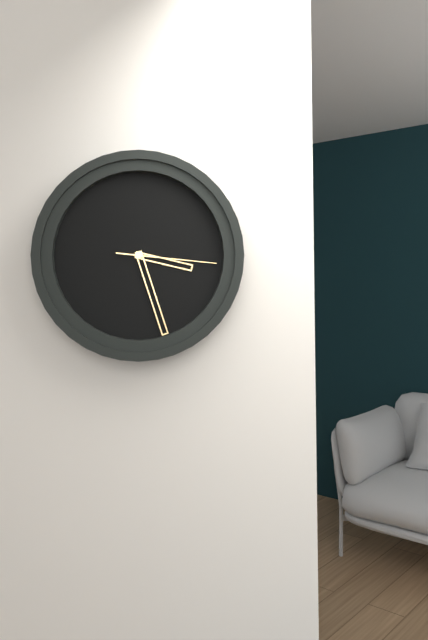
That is h=3 m=27 s=16
